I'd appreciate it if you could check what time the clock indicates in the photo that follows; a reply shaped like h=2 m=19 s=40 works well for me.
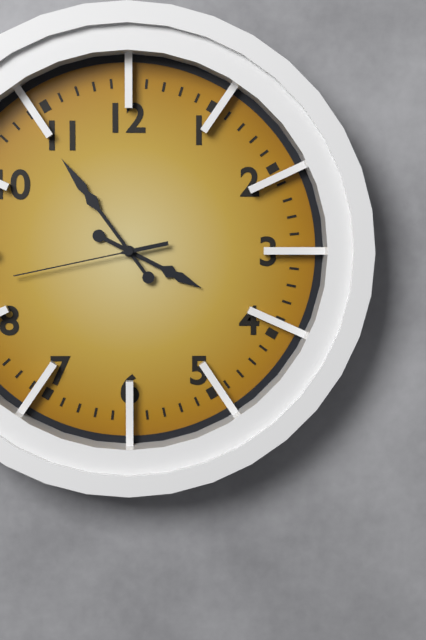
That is h=3 m=54 s=43
